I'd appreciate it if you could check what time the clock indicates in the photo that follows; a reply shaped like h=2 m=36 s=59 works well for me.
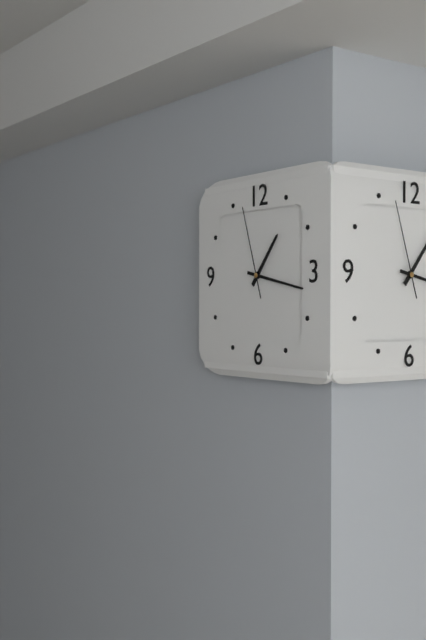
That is h=1 m=17 s=57
